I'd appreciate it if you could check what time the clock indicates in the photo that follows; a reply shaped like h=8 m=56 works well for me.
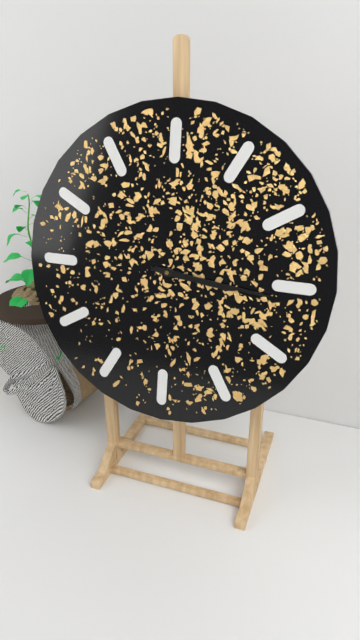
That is h=3 m=16
